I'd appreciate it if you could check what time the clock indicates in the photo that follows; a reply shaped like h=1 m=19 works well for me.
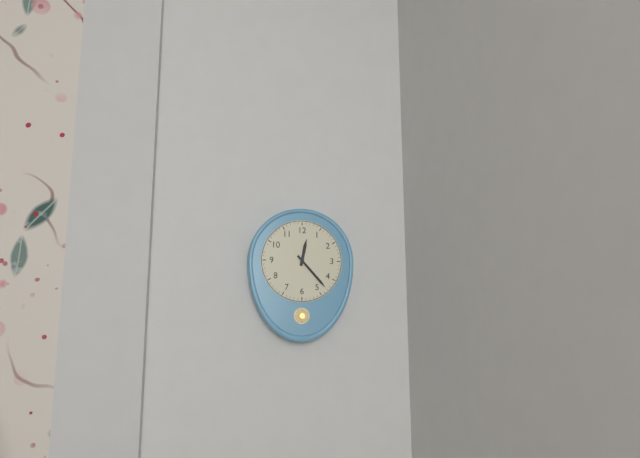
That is h=12 m=23
